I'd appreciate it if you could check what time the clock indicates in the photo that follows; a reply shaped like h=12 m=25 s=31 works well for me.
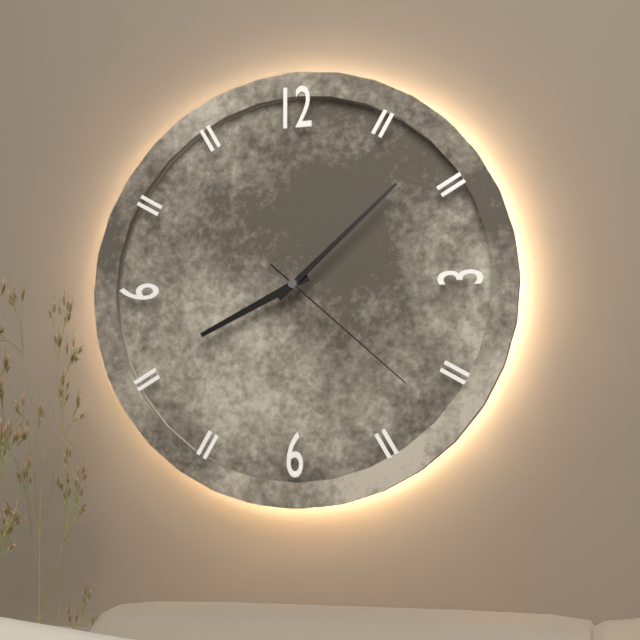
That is h=8 m=8 s=22
